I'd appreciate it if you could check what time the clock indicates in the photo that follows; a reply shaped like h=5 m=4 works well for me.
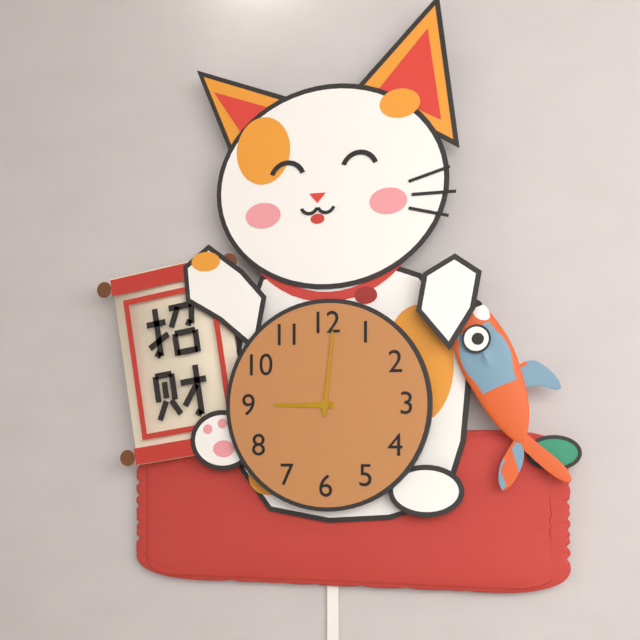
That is h=9 m=1
